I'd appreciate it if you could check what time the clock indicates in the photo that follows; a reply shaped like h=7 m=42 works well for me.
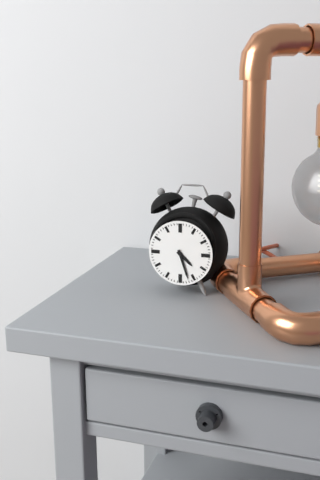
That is h=4 m=27
